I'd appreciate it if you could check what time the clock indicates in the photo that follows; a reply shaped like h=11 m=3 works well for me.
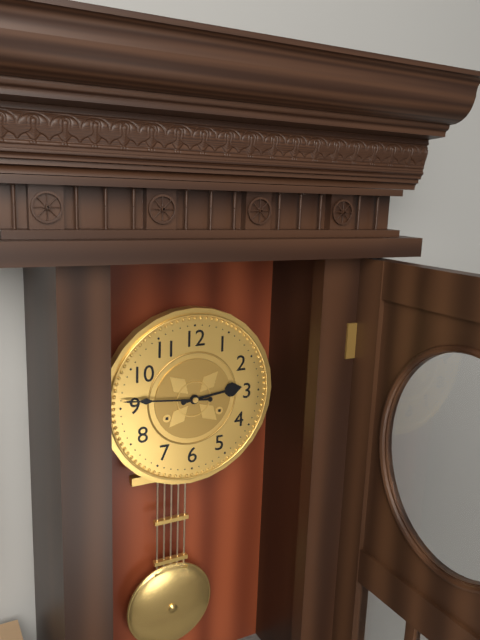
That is h=2 m=46
